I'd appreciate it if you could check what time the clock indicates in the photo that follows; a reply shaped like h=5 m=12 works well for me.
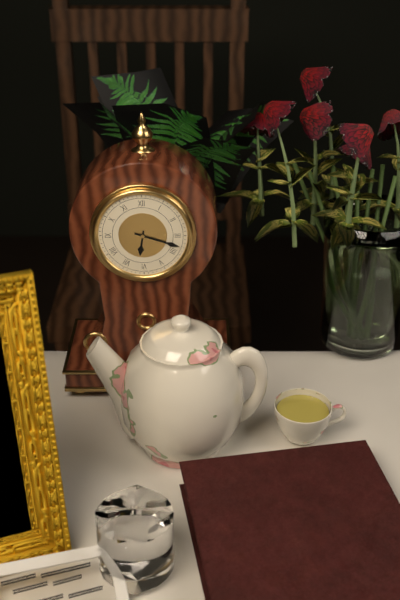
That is h=6 m=18
